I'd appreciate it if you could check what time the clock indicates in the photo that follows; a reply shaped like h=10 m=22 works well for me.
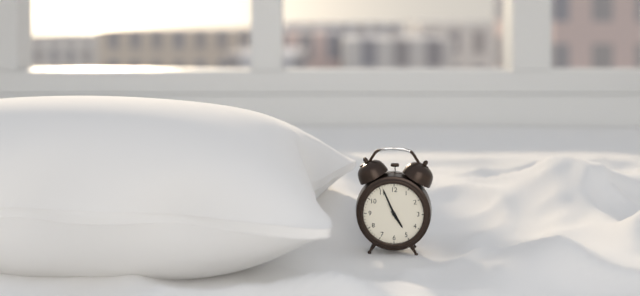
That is h=4 m=56
